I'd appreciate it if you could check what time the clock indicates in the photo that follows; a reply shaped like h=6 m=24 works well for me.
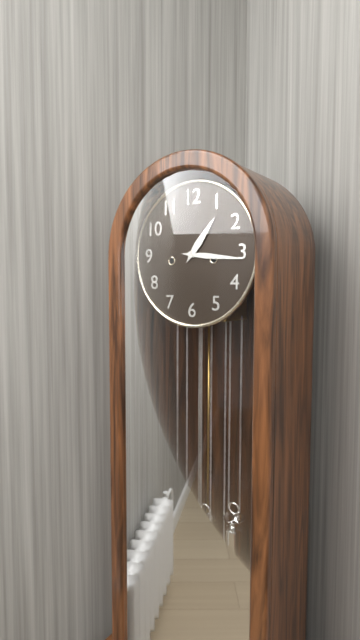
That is h=1 m=16
